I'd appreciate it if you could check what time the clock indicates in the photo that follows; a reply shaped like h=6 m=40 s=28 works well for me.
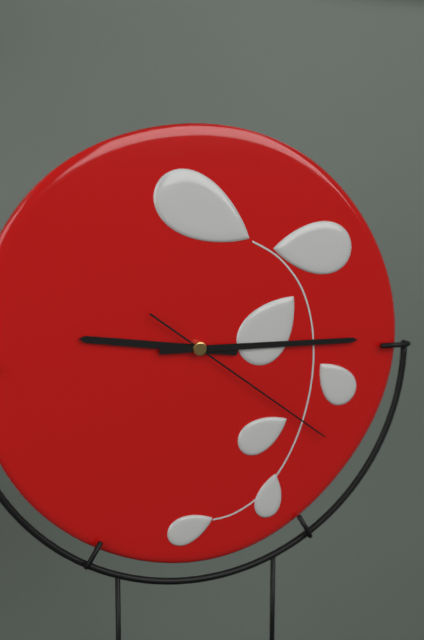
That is h=9 m=15 s=21
